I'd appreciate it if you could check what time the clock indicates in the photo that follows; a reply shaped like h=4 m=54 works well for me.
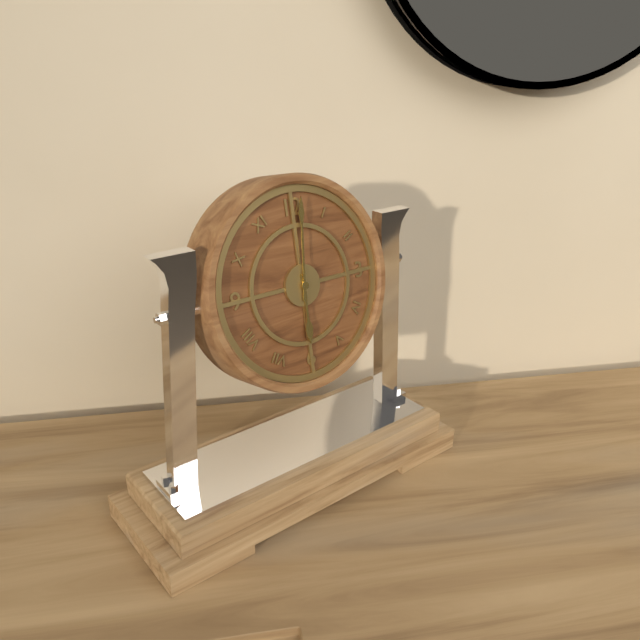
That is h=6 m=1
